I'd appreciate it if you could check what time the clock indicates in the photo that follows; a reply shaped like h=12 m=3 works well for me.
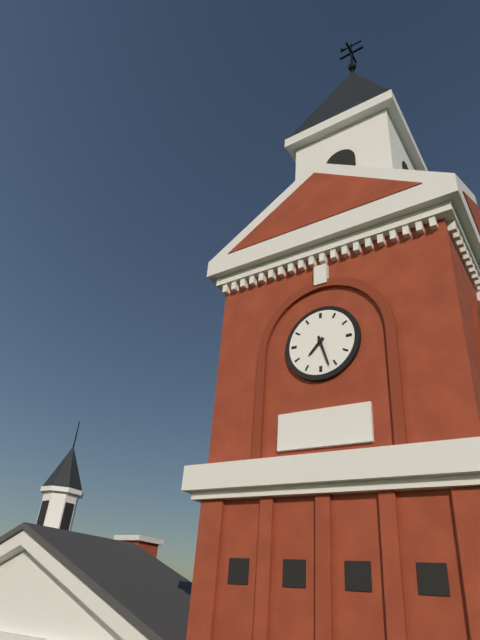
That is h=7 m=27
